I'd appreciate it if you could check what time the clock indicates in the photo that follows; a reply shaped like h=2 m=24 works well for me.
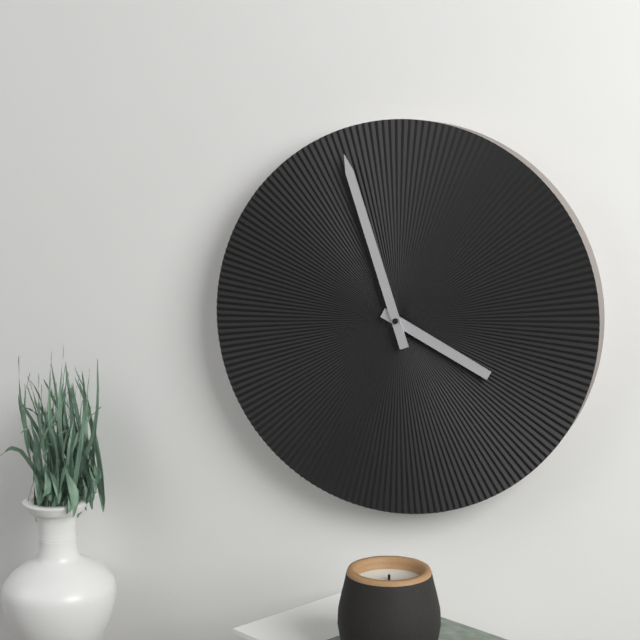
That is h=3 m=57
